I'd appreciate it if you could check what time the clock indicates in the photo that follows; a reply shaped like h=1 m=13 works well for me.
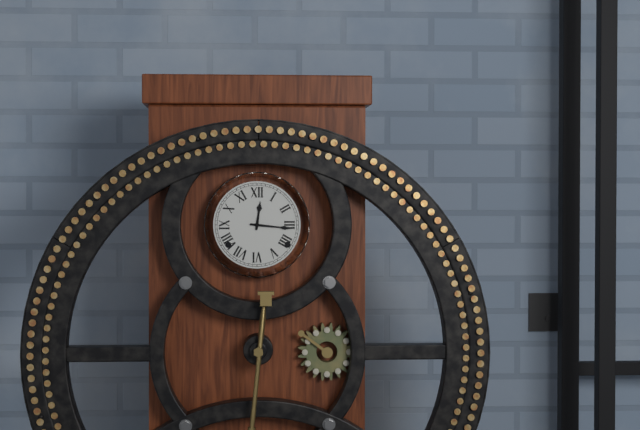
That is h=12 m=16
